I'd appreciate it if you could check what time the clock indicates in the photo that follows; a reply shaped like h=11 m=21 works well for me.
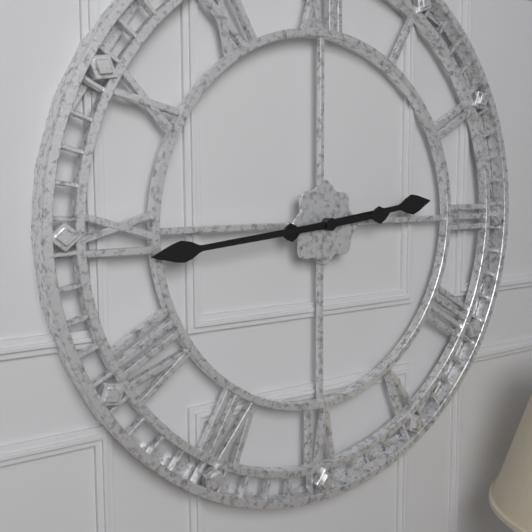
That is h=2 m=44
